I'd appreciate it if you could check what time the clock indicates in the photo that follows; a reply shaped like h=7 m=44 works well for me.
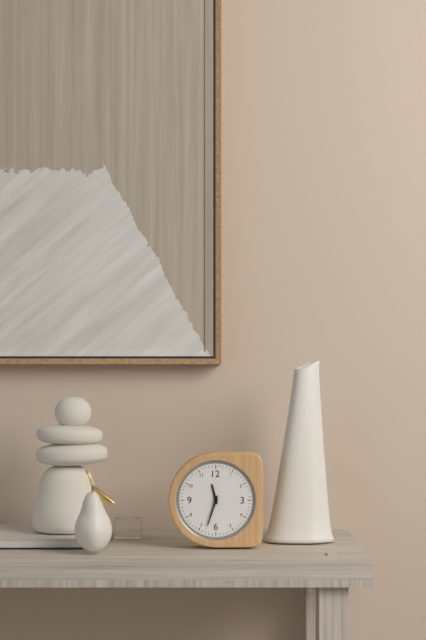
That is h=11 m=33
